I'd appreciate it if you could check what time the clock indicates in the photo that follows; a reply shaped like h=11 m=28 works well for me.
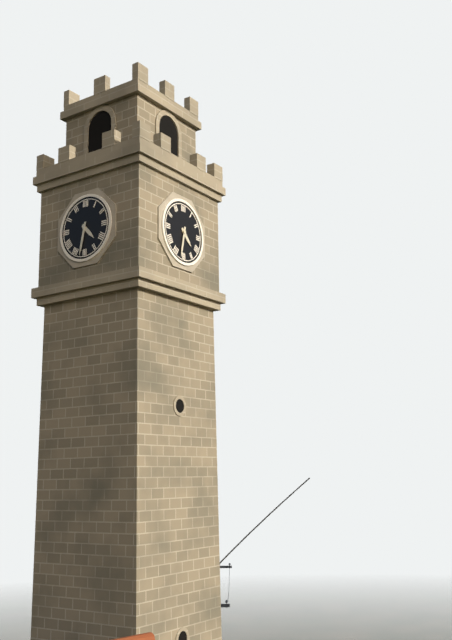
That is h=4 m=32
